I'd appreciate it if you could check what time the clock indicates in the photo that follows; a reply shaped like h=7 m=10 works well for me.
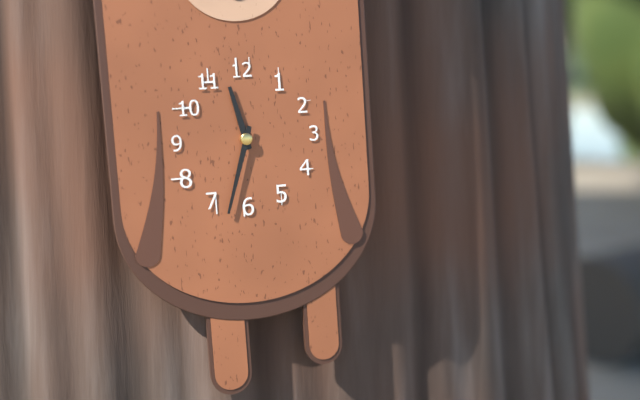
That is h=11 m=33
